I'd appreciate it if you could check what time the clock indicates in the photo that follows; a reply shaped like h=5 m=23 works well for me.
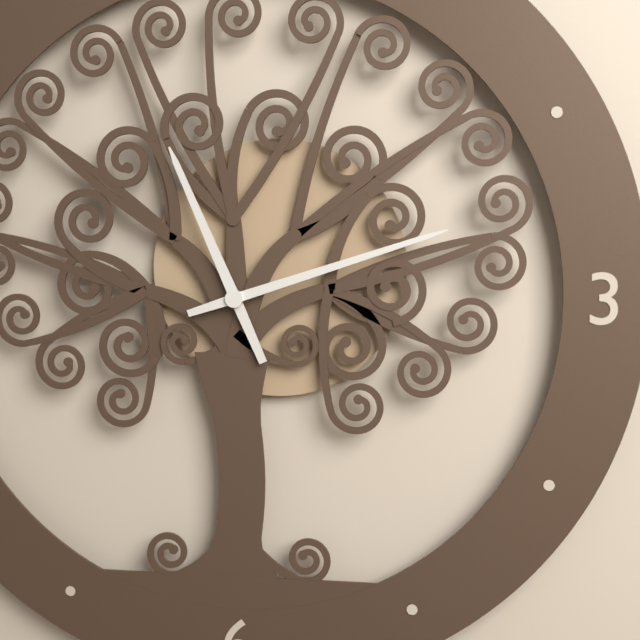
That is h=11 m=12
